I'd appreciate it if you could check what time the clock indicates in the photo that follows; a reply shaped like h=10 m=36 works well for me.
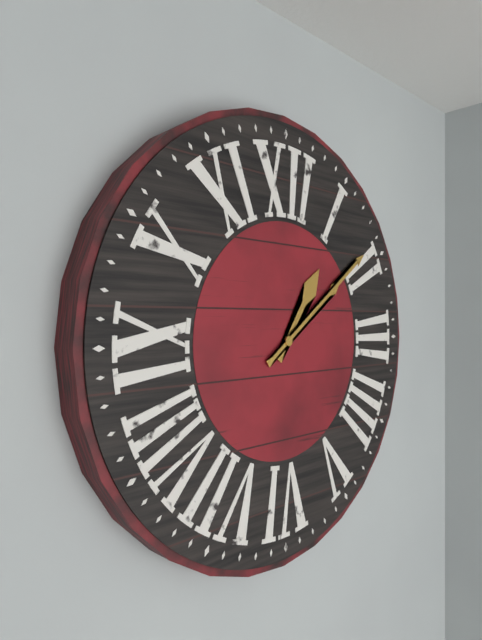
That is h=1 m=9
